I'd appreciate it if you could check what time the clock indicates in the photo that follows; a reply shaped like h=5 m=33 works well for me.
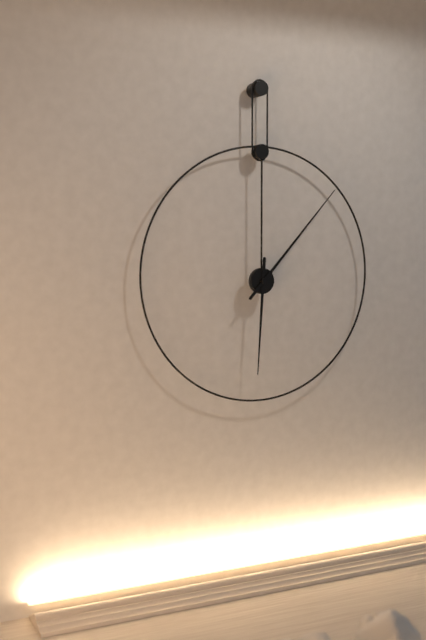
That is h=6 m=7
